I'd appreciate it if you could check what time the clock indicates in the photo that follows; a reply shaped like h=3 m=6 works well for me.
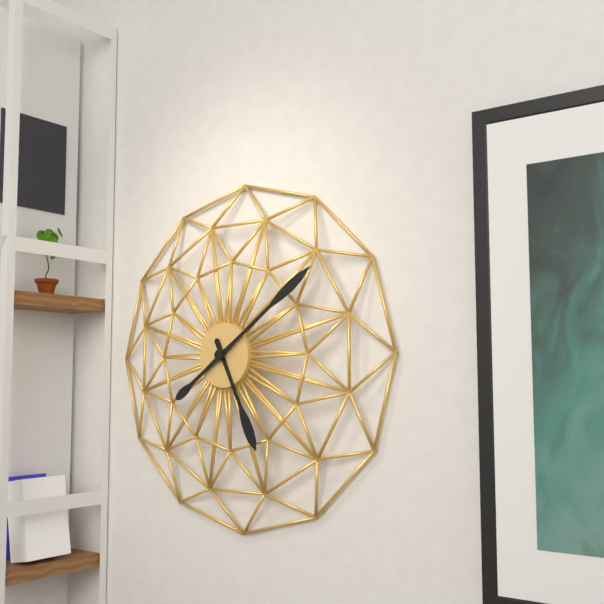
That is h=5 m=9
